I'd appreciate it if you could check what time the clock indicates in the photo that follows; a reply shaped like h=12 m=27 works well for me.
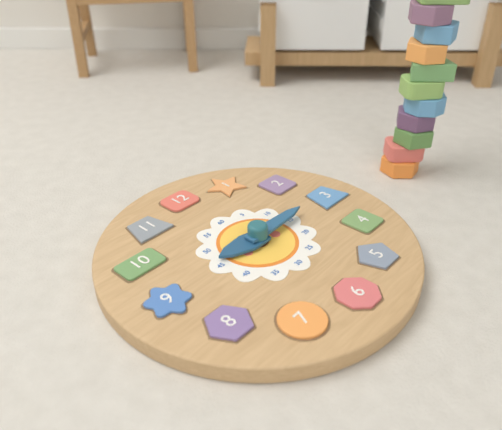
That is h=9 m=15
